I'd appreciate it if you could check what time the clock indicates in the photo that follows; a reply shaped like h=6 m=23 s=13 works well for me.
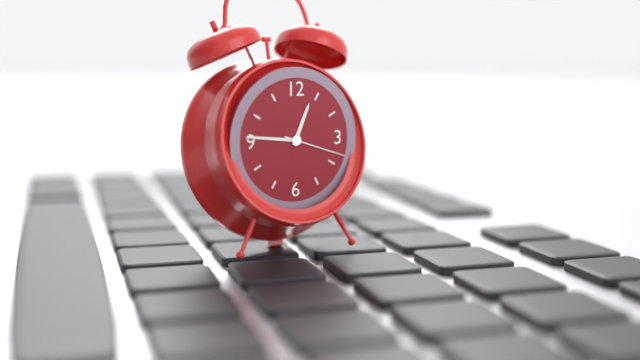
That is h=12 m=46 s=18
